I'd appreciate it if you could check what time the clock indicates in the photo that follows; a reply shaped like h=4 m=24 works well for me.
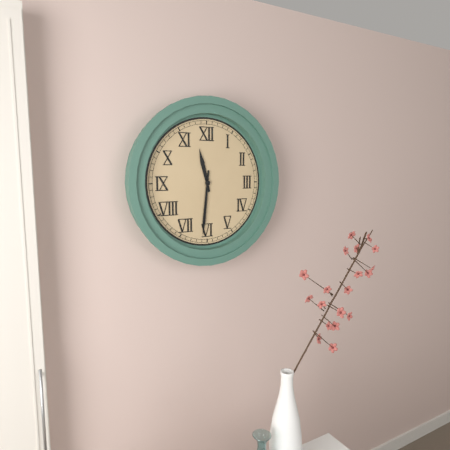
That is h=11 m=31
